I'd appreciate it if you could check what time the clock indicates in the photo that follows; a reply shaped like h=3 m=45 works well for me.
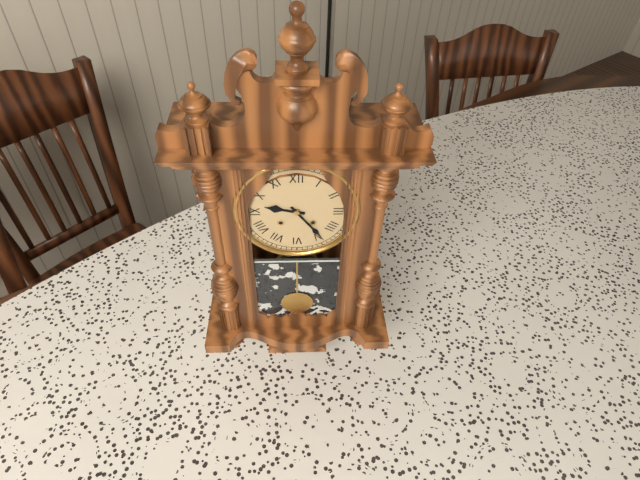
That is h=9 m=24
